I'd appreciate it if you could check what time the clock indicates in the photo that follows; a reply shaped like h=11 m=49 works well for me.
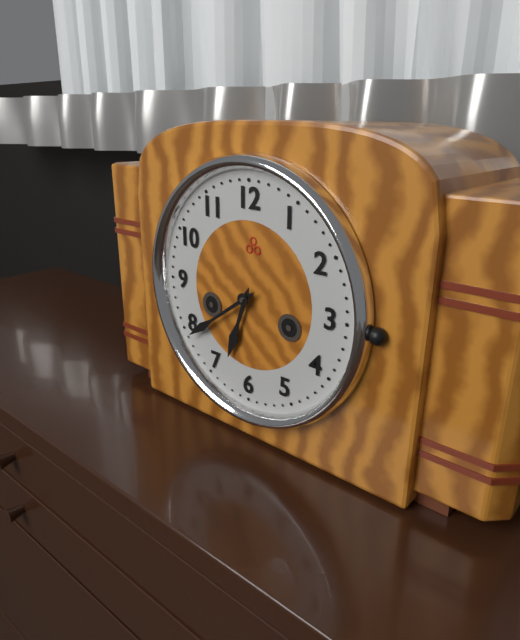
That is h=6 m=39
